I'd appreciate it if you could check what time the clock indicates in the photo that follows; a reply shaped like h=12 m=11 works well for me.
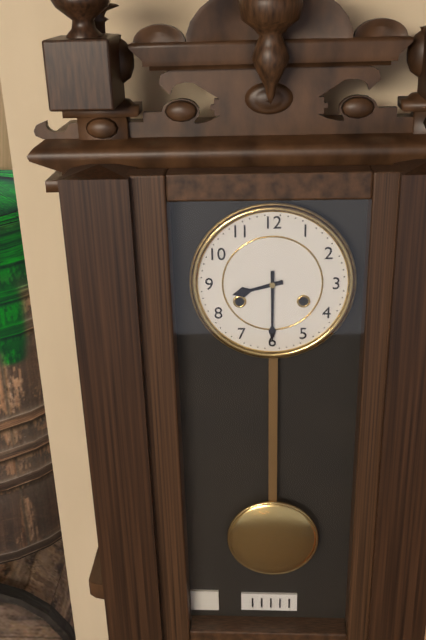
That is h=8 m=30
